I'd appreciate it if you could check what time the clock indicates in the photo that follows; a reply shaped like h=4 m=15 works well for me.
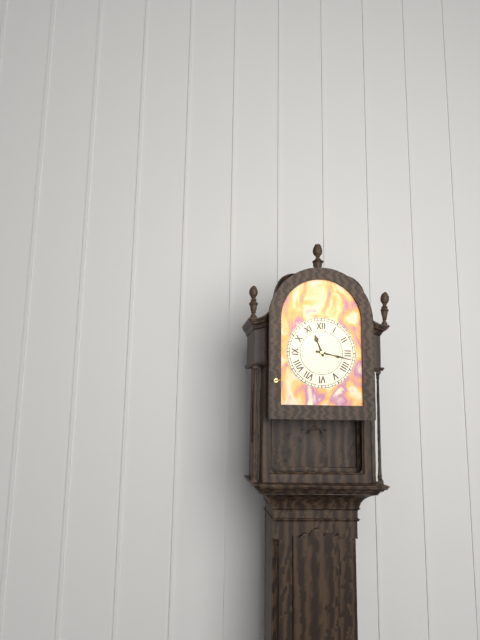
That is h=11 m=17
